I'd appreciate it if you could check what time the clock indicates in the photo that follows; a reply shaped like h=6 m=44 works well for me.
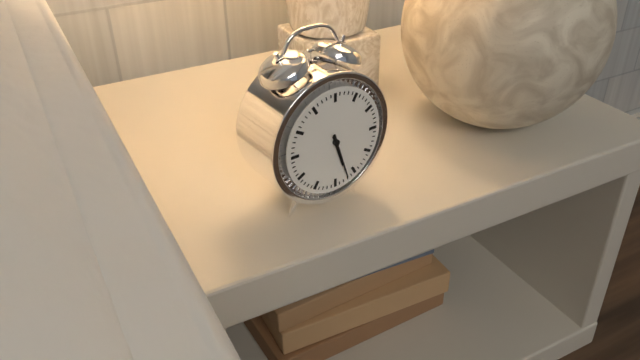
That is h=5 m=27
